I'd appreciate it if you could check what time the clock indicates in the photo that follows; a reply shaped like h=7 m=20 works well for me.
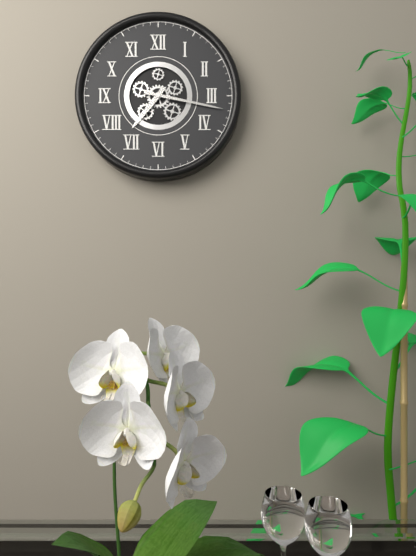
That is h=7 m=17
